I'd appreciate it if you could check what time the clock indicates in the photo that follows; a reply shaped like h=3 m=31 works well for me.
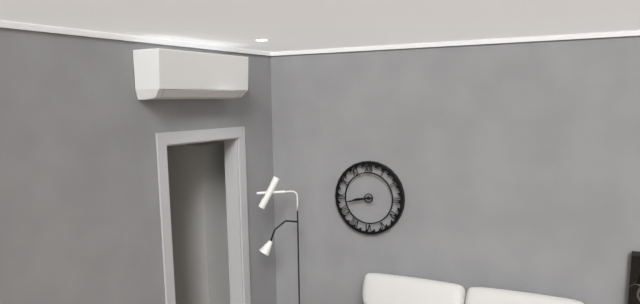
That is h=8 m=43
